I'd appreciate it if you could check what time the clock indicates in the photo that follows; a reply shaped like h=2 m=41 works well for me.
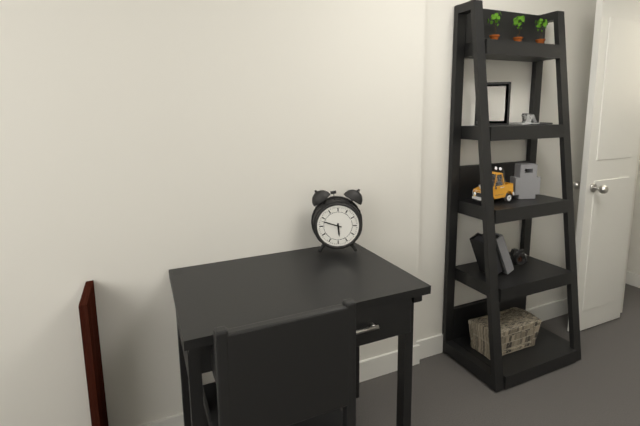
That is h=5 m=48
